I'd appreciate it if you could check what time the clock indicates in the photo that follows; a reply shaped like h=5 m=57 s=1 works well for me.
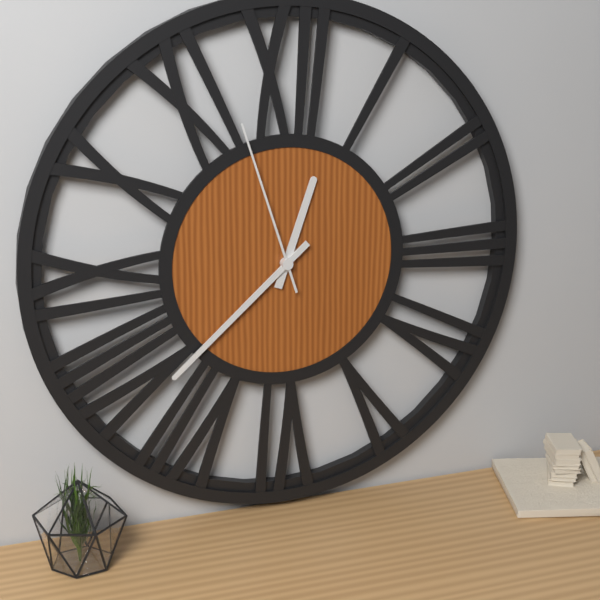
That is h=12 m=38 s=57
